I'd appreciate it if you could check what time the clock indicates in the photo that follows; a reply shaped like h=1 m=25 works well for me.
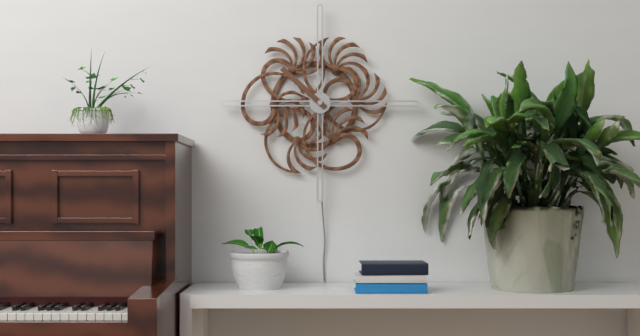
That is h=9 m=52
